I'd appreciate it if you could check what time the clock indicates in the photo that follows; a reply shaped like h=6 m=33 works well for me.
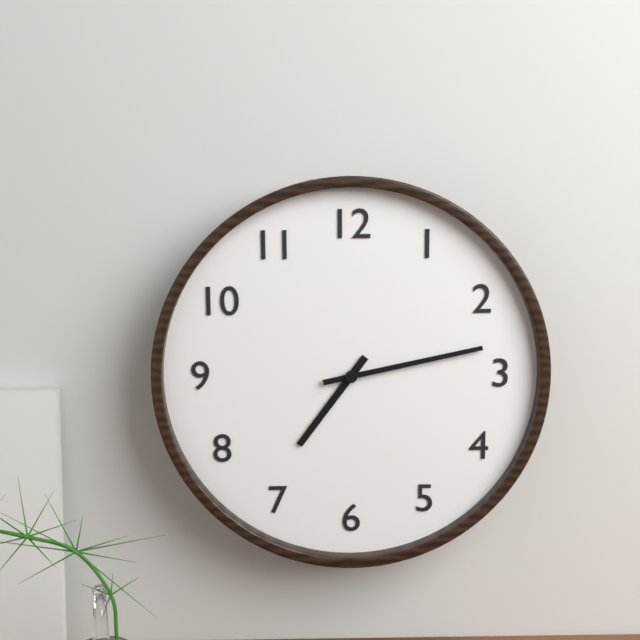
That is h=7 m=13
